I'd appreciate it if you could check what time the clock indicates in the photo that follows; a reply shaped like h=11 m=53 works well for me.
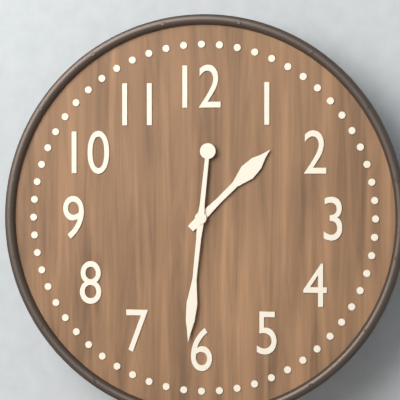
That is h=1 m=31
